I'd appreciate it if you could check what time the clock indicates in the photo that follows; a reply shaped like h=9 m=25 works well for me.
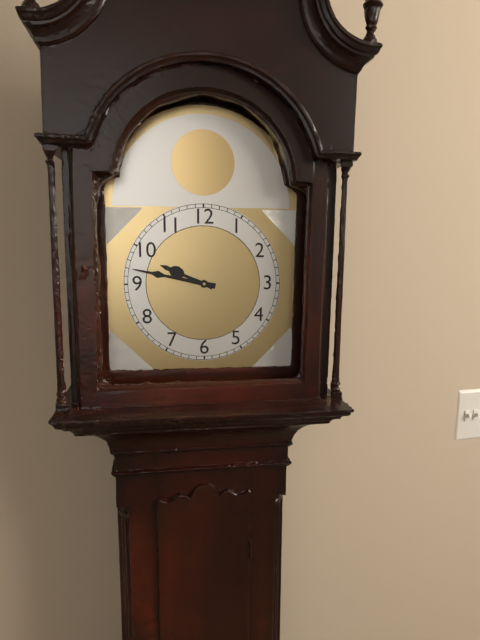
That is h=9 m=47
